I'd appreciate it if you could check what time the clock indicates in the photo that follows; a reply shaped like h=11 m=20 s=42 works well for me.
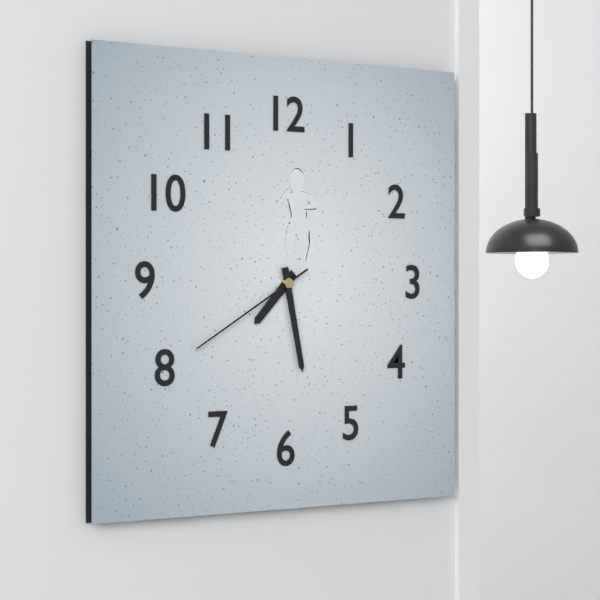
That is h=7 m=28 s=40
